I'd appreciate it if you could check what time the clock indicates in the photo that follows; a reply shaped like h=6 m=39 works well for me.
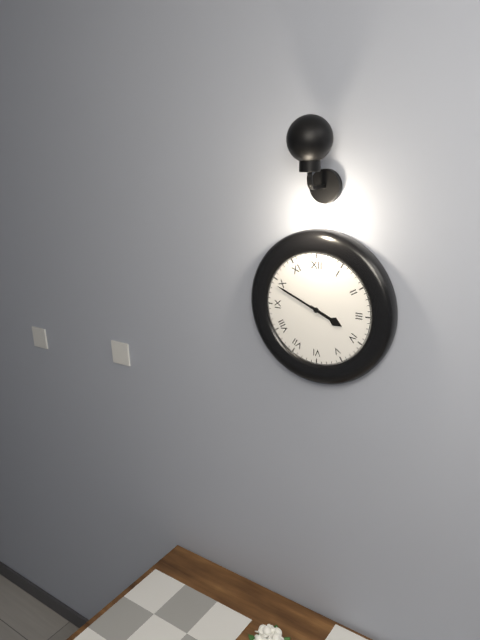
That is h=3 m=49
